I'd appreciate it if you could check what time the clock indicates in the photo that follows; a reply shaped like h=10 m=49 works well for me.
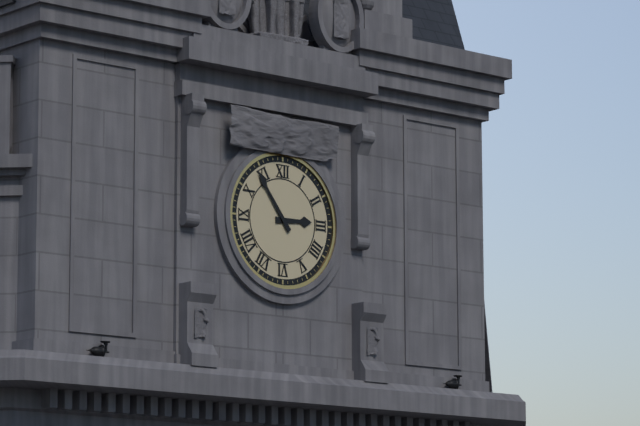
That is h=2 m=54
